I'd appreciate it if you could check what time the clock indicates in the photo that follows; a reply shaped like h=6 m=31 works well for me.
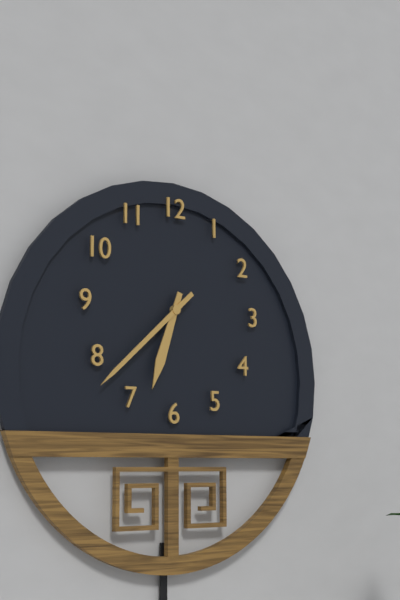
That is h=6 m=38
